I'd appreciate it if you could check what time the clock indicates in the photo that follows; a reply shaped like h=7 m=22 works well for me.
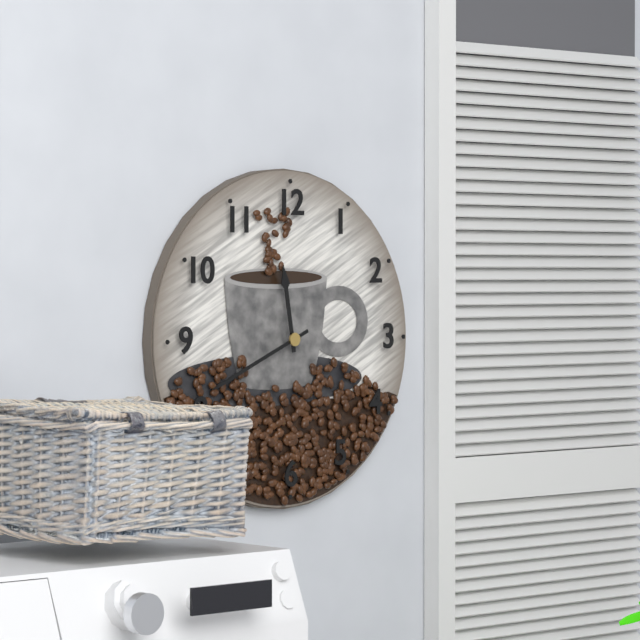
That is h=11 m=41
